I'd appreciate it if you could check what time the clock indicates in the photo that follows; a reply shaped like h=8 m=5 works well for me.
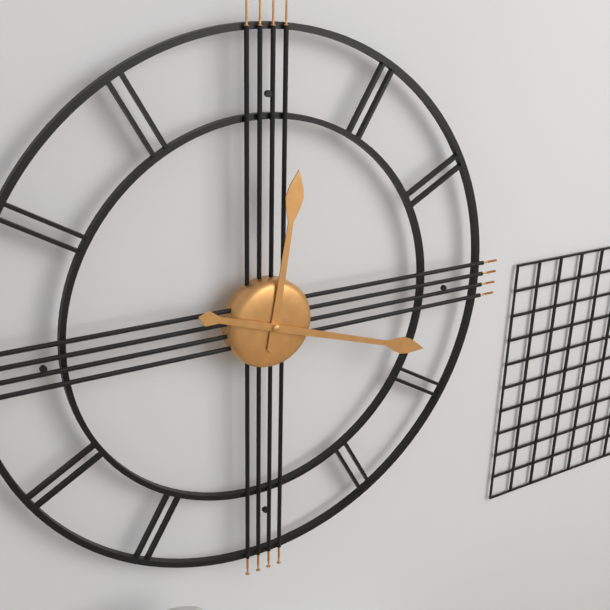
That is h=12 m=18
